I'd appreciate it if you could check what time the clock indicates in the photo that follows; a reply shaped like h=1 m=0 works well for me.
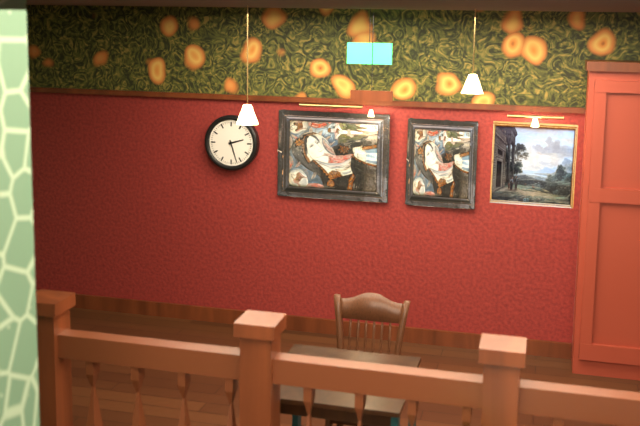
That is h=2 m=27
